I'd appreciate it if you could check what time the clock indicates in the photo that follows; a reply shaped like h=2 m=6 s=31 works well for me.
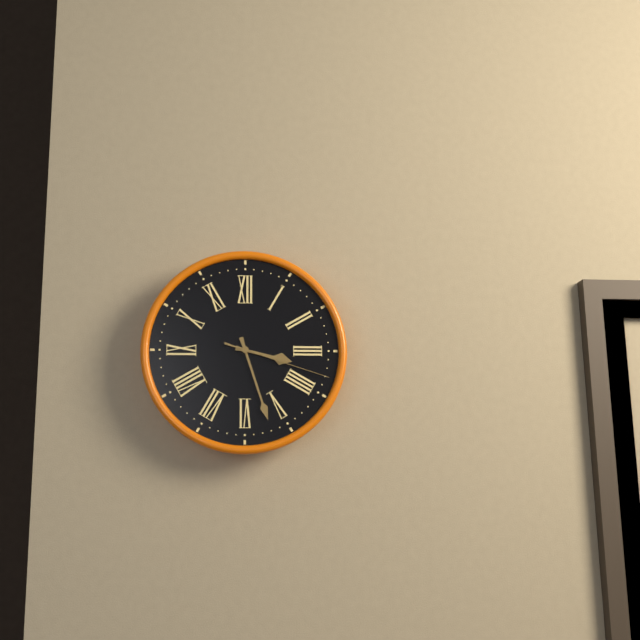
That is h=3 m=27 s=18
